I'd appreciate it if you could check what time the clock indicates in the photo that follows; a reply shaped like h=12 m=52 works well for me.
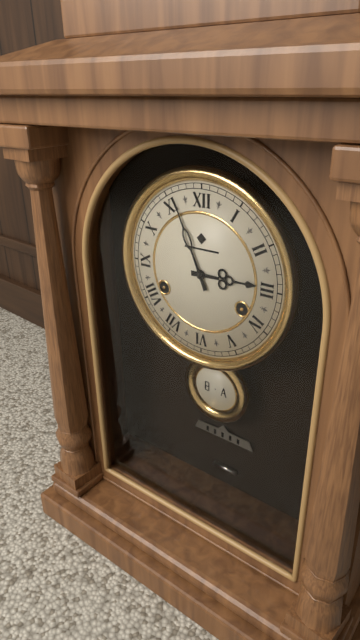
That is h=2 m=56
